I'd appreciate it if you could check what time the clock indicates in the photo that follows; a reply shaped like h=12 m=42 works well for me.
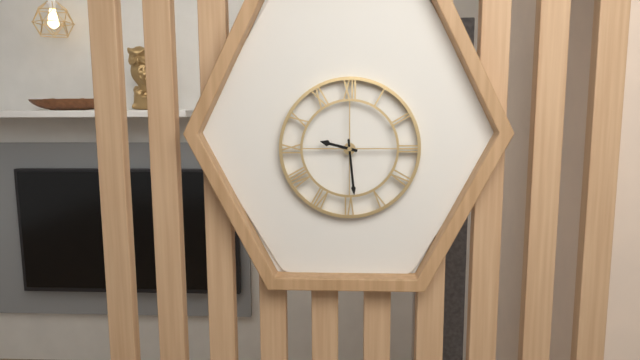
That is h=9 m=29
